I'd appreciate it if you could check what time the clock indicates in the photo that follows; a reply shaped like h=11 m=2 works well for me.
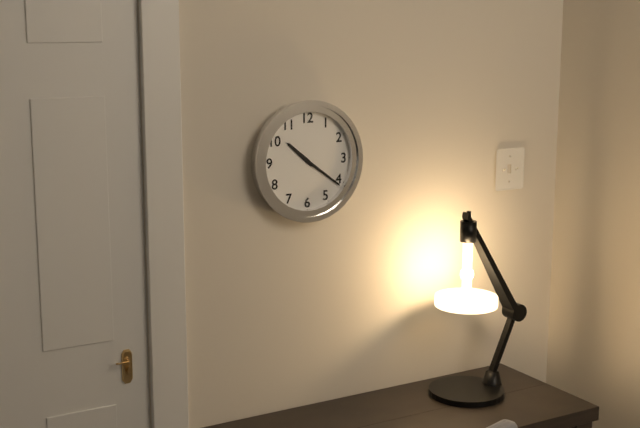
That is h=10 m=21
